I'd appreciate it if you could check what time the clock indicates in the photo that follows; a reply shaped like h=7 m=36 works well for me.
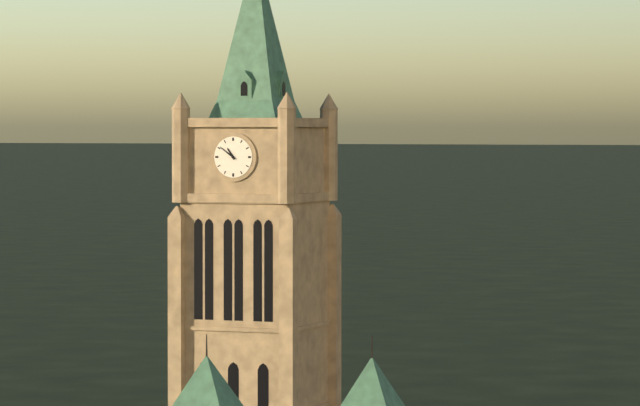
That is h=10 m=51
